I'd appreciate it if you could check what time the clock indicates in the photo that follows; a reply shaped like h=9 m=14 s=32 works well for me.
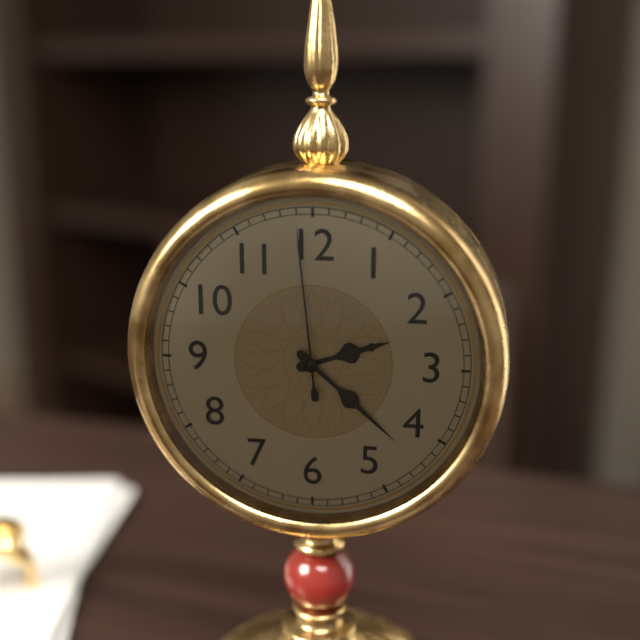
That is h=2 m=22 s=59
